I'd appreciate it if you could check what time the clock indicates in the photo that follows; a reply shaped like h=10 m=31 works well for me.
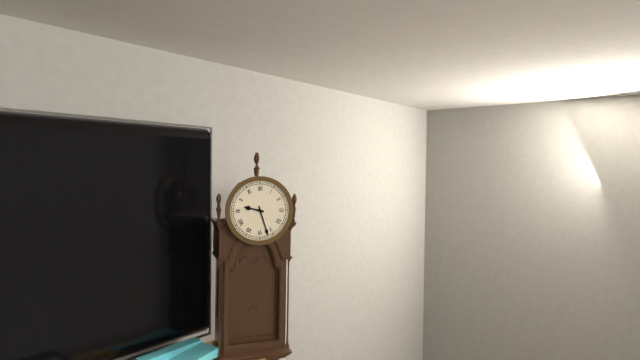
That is h=9 m=27
